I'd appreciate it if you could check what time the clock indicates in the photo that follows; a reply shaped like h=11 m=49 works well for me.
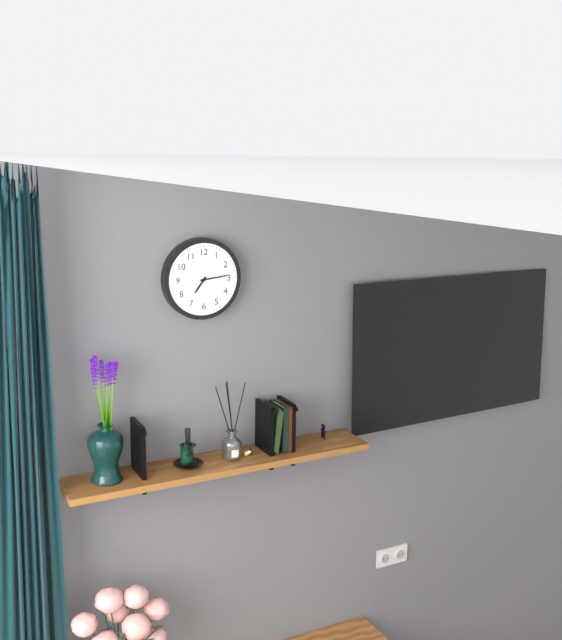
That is h=7 m=14
